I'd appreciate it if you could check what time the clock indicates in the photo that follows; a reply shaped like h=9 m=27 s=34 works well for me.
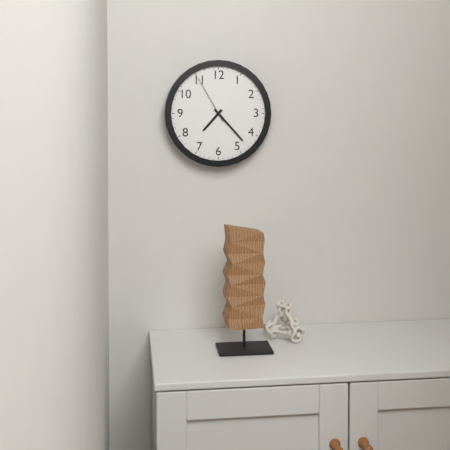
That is h=7 m=23 s=55
